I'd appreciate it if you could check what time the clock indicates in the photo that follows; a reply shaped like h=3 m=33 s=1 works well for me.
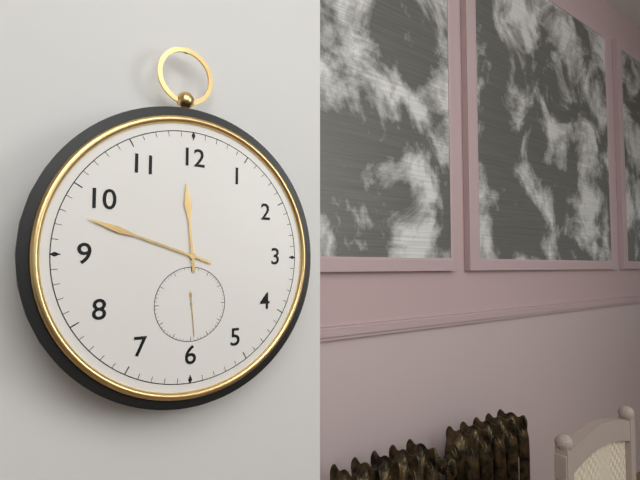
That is h=11 m=48 s=29
